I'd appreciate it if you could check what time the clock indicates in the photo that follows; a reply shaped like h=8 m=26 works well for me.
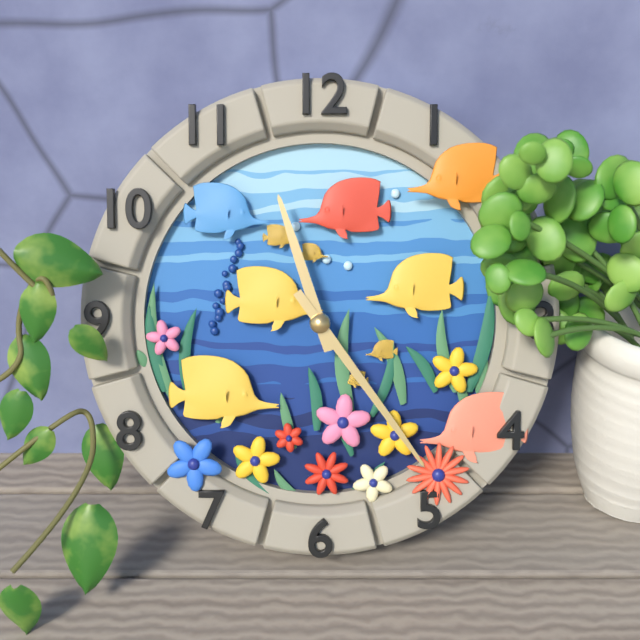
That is h=11 m=24
